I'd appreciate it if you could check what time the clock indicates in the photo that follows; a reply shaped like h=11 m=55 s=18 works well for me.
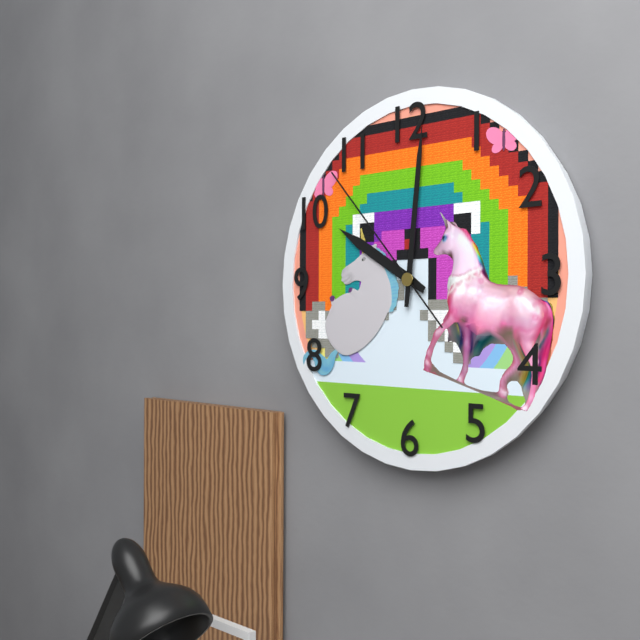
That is h=10 m=1 s=53
